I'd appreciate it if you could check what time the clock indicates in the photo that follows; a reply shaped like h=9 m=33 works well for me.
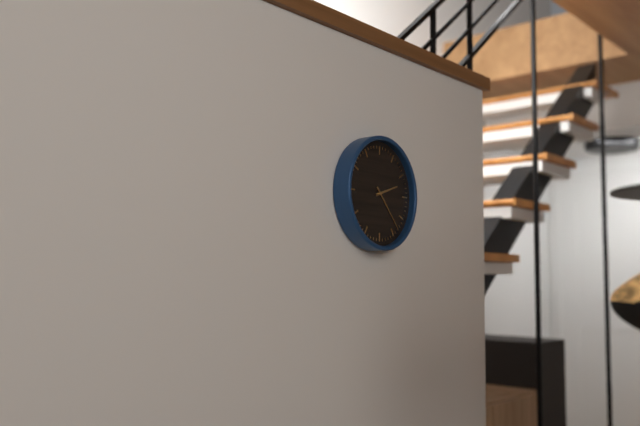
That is h=2 m=23
